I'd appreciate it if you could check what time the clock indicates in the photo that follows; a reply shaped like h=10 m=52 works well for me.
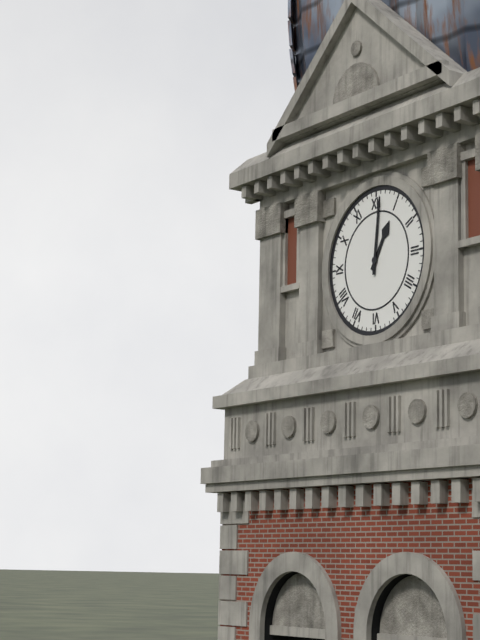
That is h=1 m=1
